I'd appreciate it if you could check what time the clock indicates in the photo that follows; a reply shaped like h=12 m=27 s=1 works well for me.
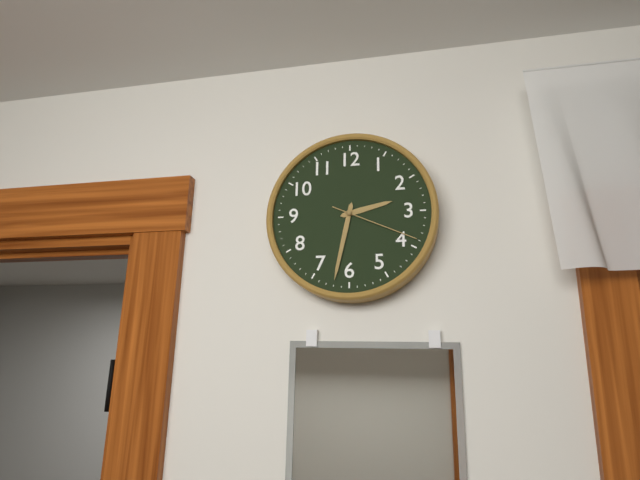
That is h=2 m=32 s=19
